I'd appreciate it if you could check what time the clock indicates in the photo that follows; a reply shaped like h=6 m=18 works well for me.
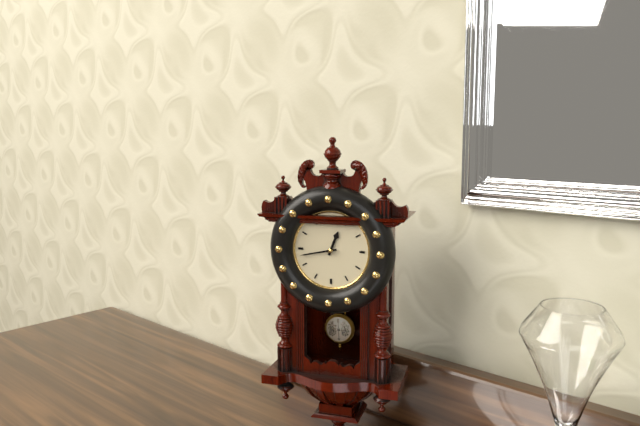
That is h=12 m=43
